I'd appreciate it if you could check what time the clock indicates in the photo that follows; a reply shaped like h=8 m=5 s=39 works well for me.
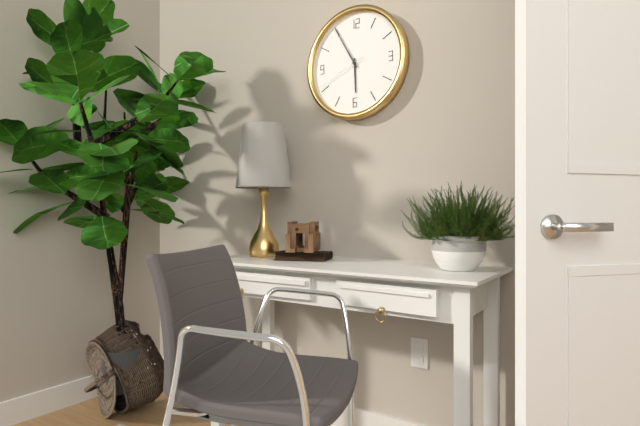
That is h=5 m=55 s=41
